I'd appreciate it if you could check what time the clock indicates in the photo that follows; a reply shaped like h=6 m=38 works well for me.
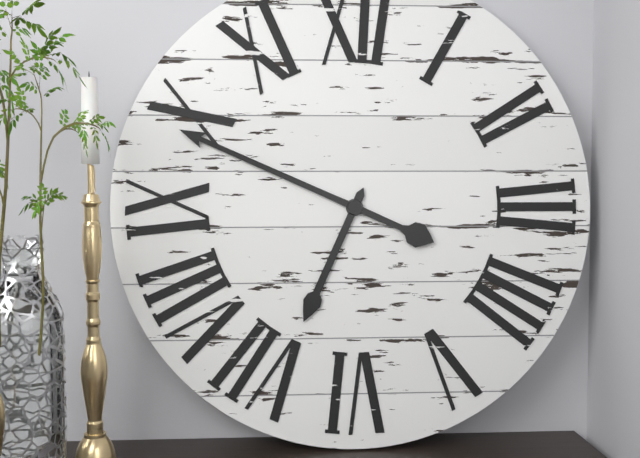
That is h=6 m=49
